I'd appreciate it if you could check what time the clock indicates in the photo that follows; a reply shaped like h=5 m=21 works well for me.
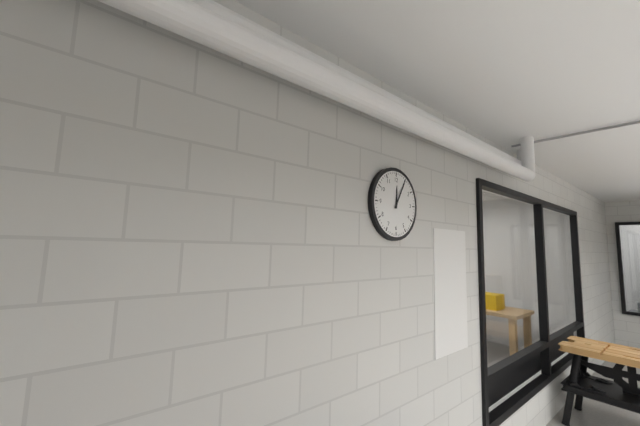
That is h=12 m=5
